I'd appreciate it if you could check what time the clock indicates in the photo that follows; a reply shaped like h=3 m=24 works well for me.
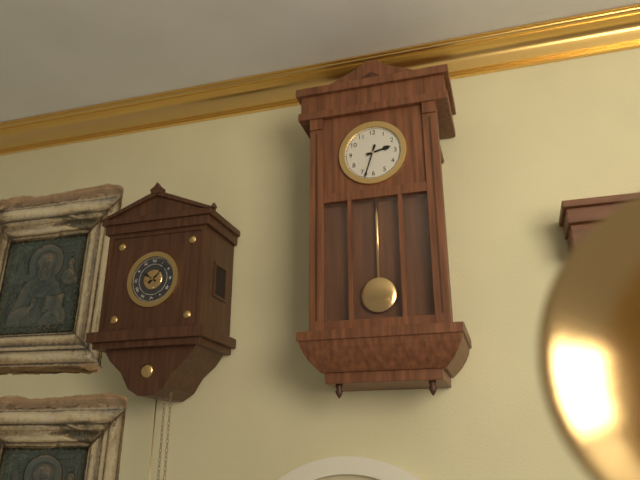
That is h=2 m=33
